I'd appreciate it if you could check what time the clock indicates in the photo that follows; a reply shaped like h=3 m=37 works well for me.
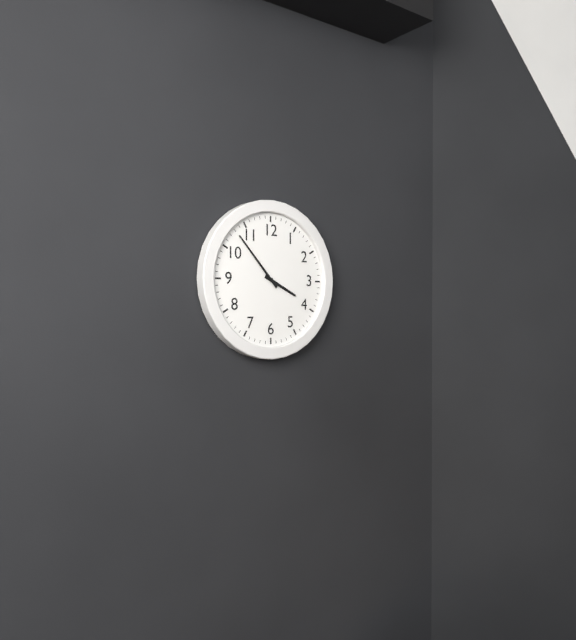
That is h=3 m=53
